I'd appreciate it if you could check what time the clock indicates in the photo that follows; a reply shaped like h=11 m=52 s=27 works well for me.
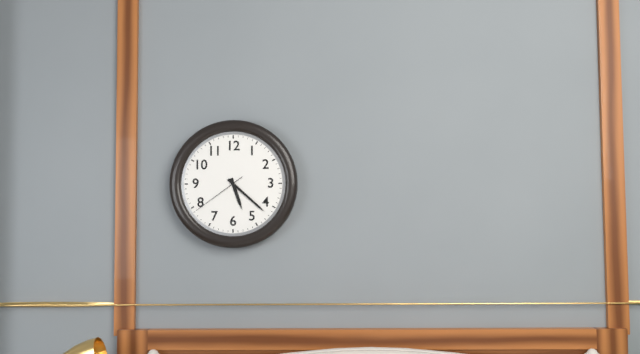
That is h=5 m=22 s=39
